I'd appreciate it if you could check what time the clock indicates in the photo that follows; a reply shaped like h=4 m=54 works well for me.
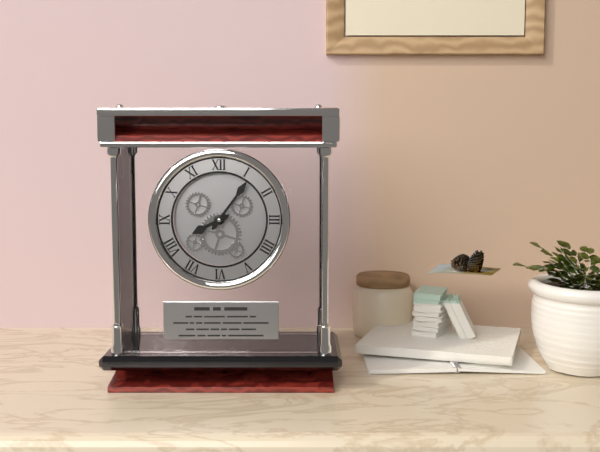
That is h=8 m=6
